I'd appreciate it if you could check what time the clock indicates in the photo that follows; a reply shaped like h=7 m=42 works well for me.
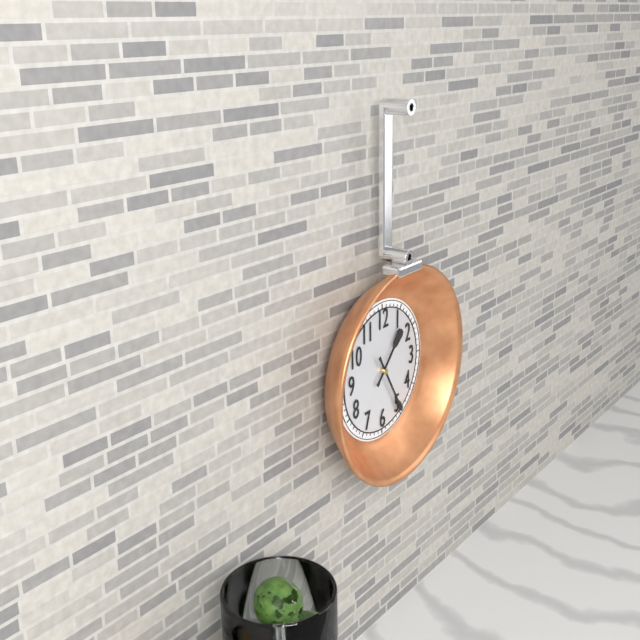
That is h=1 m=25
